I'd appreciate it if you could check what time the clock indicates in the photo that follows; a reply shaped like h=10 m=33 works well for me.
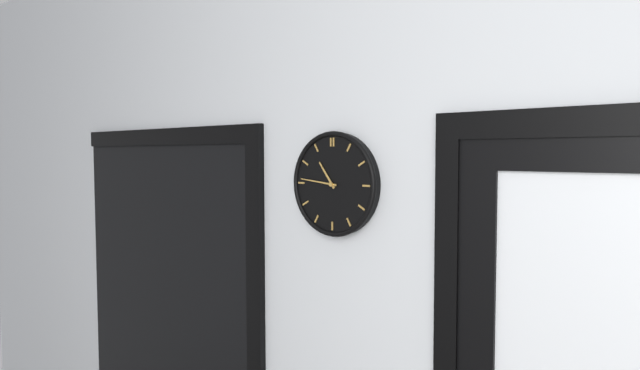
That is h=10 m=46
